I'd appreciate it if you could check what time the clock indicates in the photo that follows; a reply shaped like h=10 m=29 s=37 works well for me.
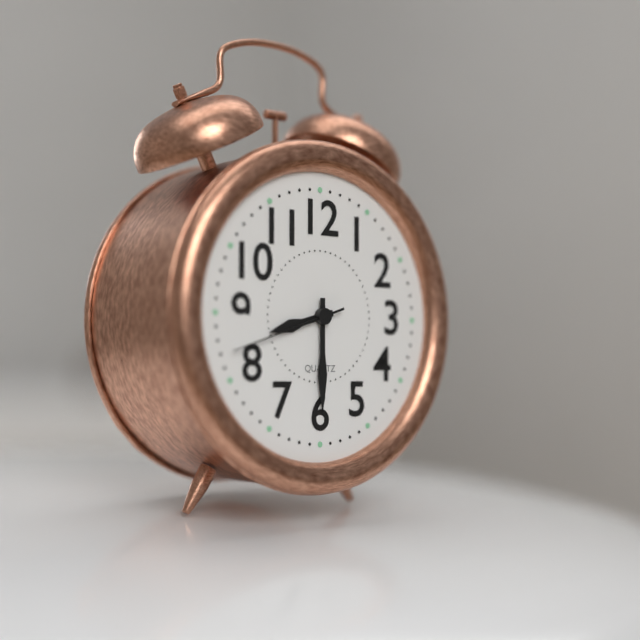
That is h=8 m=30 s=42
